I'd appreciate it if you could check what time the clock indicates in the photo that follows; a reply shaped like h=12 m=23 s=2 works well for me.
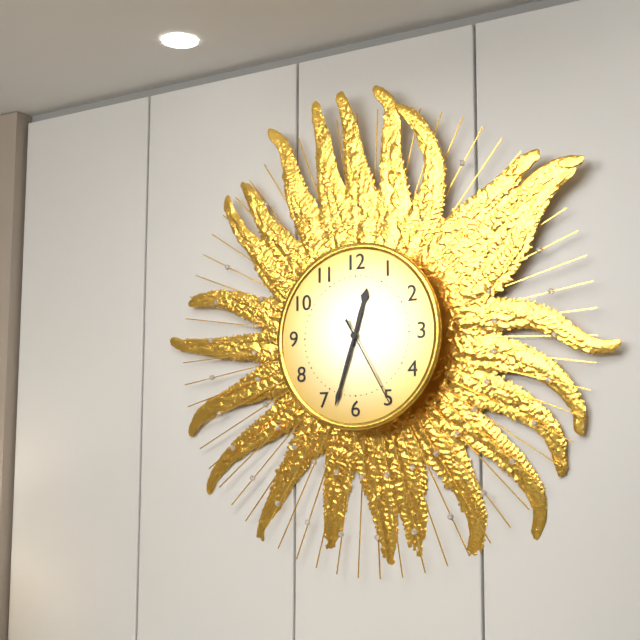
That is h=12 m=33 s=25
